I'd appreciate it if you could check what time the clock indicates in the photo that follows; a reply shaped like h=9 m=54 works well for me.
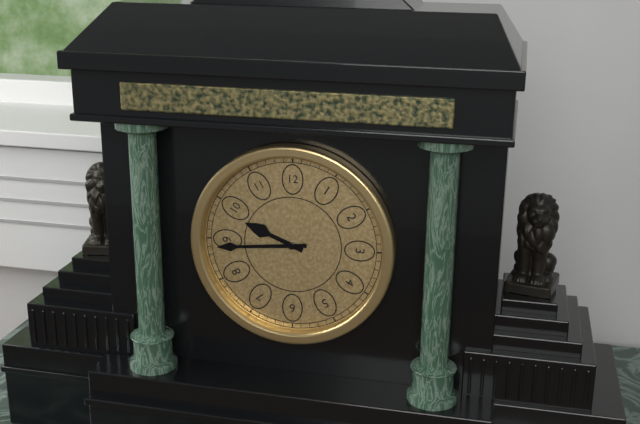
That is h=9 m=44
